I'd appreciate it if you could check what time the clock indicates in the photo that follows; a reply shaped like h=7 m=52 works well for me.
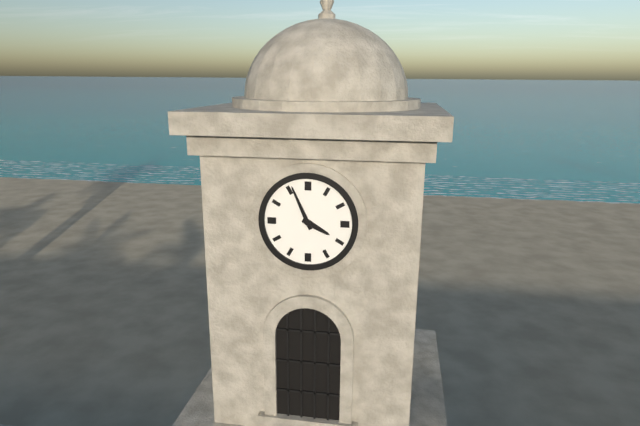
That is h=3 m=56
